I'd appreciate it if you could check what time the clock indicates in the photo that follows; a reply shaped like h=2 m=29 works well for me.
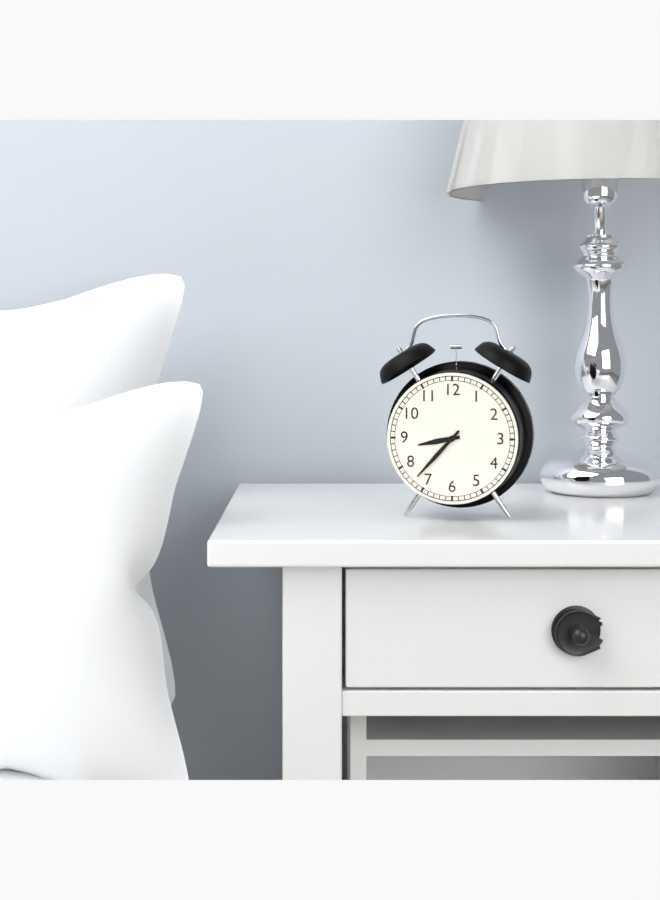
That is h=8 m=37
